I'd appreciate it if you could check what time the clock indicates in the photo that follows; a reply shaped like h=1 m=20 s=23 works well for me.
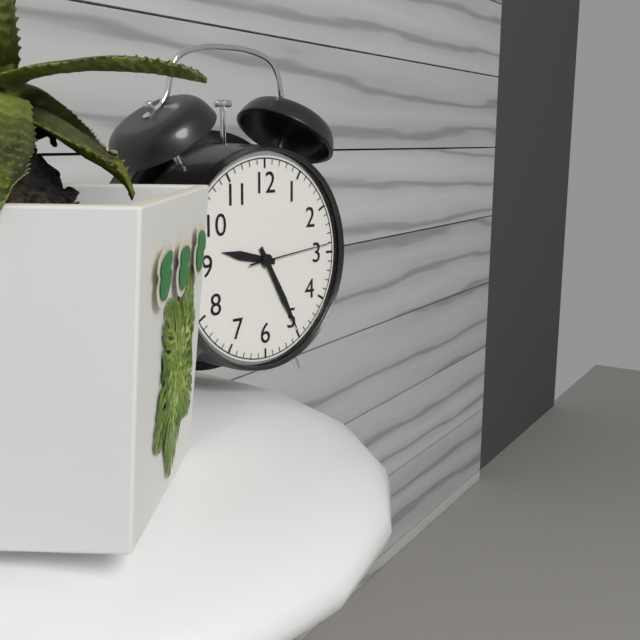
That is h=9 m=25 s=14
